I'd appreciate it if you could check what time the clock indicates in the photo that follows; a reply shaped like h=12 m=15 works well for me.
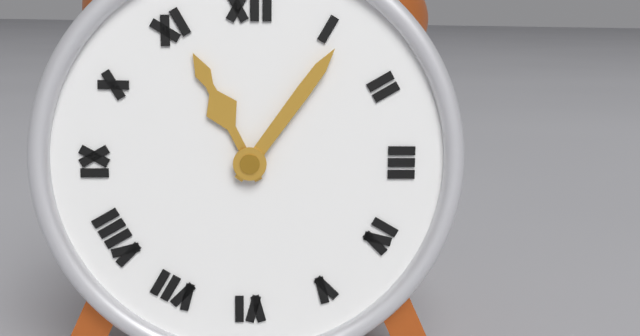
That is h=11 m=6
